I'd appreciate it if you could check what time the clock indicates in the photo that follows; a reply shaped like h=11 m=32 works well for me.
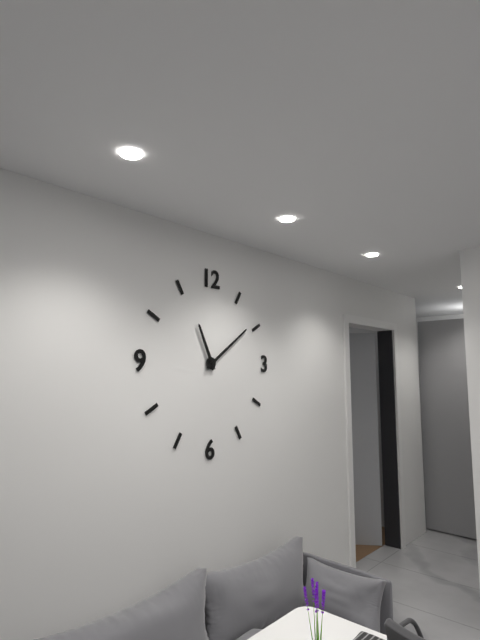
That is h=11 m=9
